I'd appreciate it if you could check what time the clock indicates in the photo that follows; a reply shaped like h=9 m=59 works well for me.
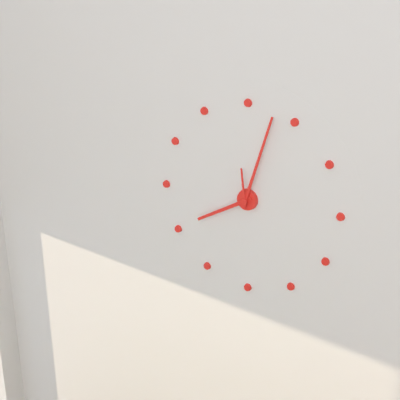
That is h=8 m=3
